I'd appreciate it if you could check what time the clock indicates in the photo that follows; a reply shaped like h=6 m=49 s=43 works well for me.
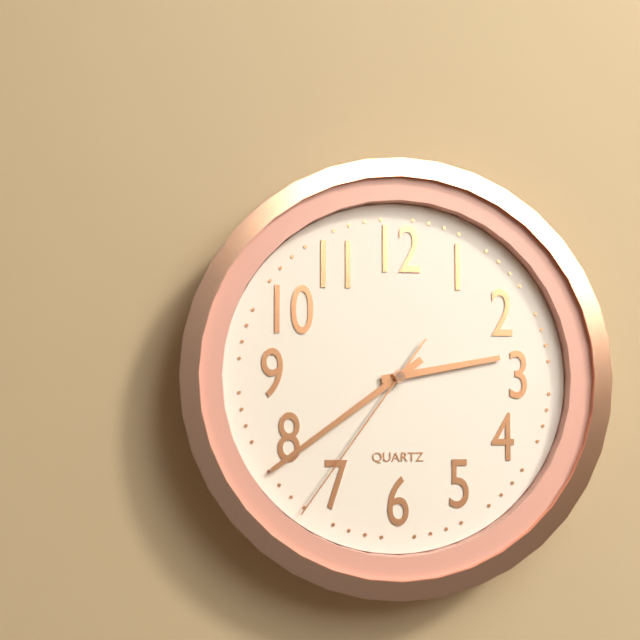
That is h=2 m=39 s=36
